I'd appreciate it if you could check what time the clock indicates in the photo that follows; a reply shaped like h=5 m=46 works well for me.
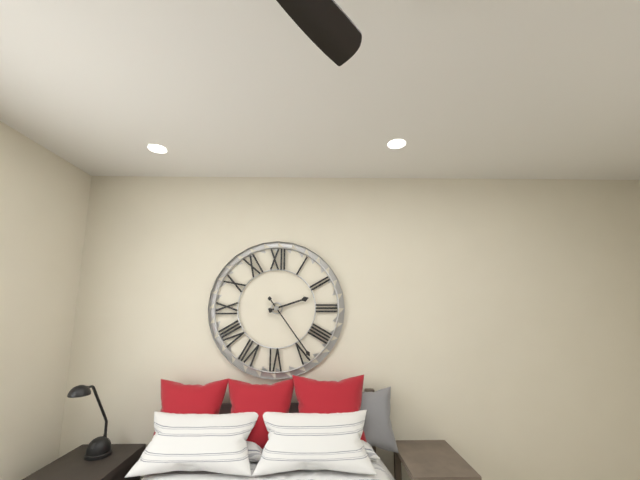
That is h=2 m=24
